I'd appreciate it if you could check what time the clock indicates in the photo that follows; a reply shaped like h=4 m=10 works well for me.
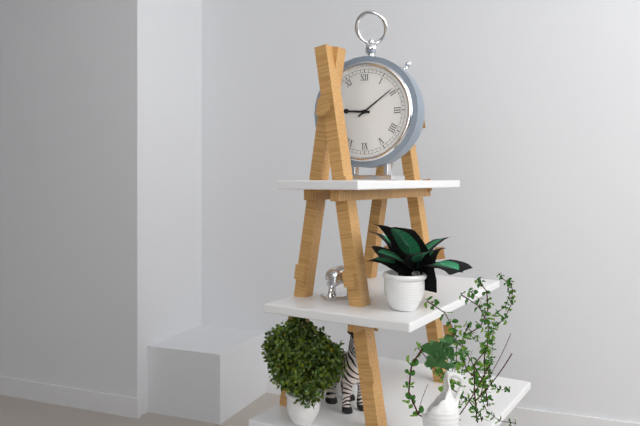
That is h=9 m=9
